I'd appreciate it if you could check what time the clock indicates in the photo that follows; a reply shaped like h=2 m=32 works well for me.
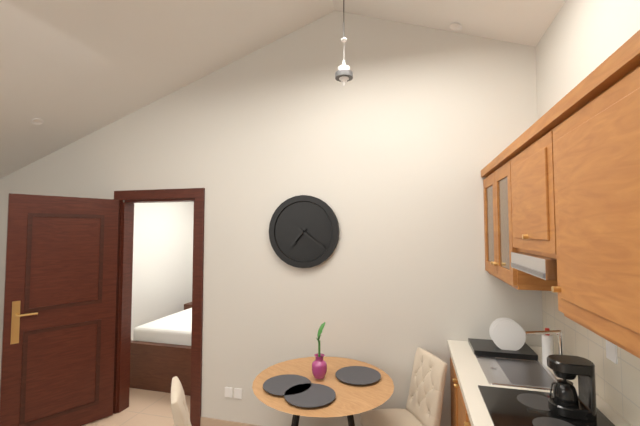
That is h=7 m=21
